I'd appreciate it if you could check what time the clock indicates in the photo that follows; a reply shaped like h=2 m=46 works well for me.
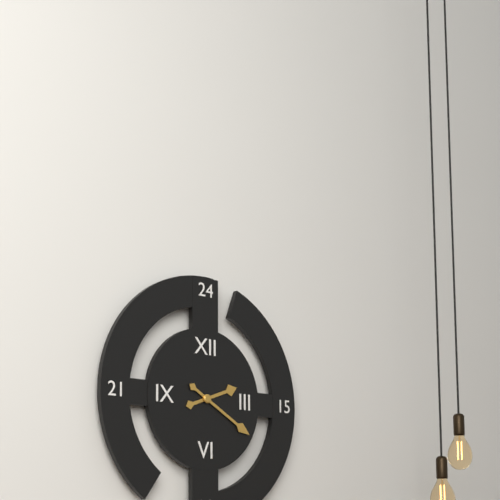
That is h=2 m=20
